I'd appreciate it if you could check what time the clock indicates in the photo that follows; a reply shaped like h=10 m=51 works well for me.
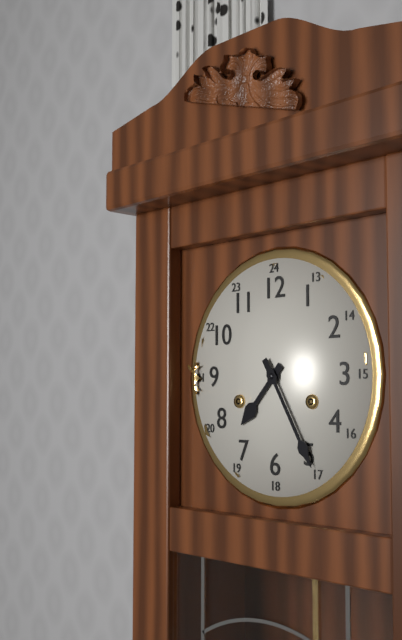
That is h=7 m=25
